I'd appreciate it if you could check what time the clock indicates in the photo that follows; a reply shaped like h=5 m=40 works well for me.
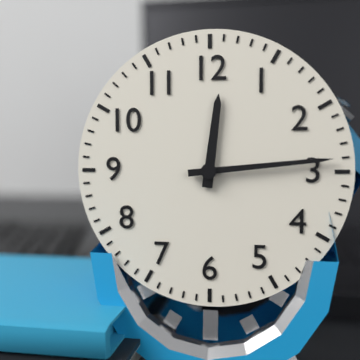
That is h=12 m=14
